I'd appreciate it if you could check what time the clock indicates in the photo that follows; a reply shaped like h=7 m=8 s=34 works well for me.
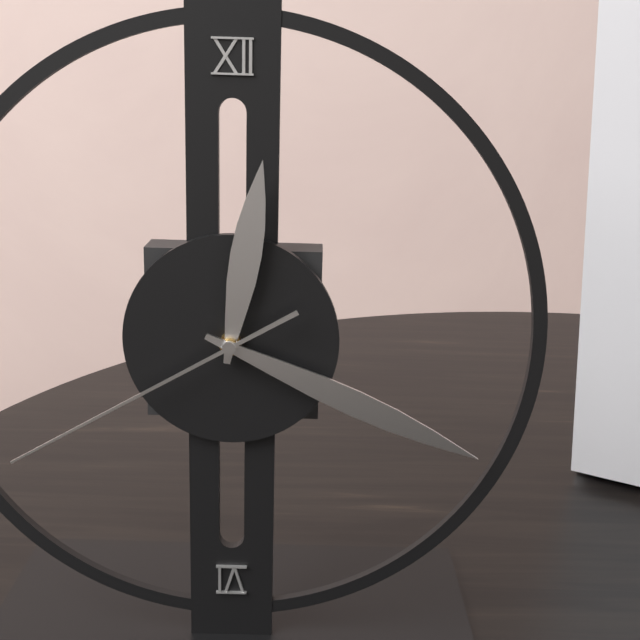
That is h=12 m=19 s=40
